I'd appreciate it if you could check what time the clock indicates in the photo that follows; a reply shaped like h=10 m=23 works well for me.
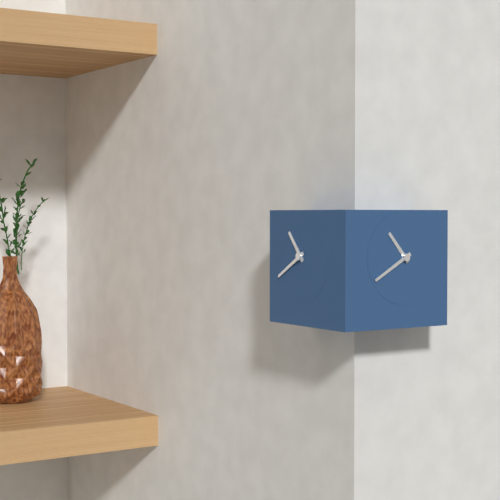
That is h=10 m=40
